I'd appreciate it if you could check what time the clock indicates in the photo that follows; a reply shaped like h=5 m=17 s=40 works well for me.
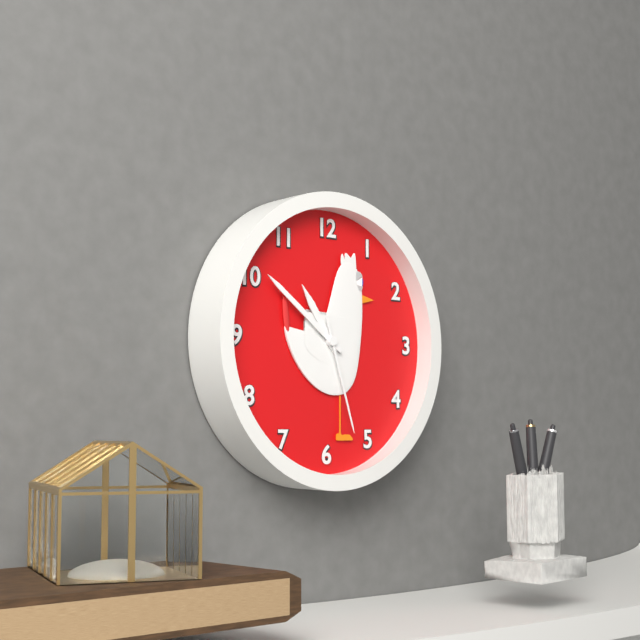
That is h=10 m=51 s=27
